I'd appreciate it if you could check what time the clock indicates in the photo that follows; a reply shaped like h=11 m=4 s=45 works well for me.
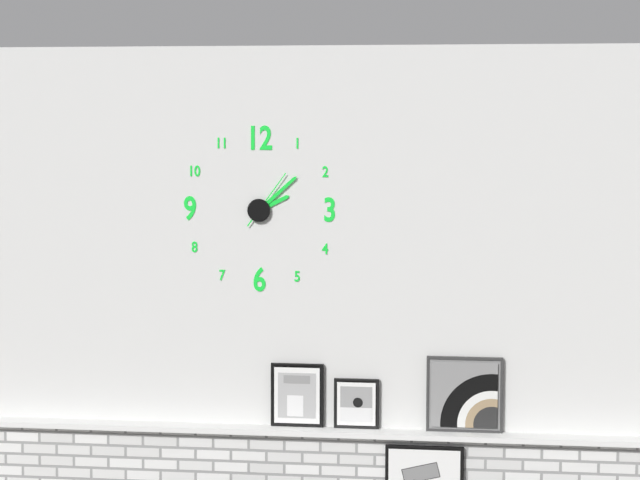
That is h=2 m=8 s=6
